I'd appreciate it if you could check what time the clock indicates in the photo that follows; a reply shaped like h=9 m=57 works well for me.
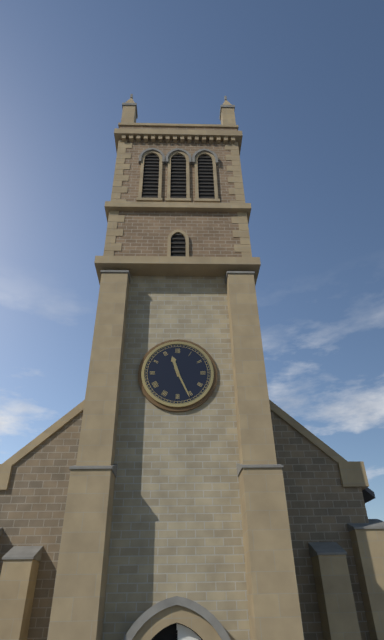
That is h=11 m=26
